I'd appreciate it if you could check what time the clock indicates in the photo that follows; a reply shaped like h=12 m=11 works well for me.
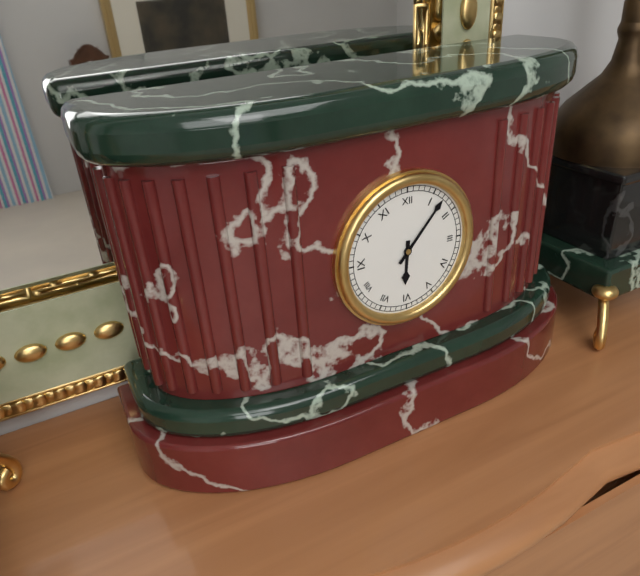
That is h=6 m=7
